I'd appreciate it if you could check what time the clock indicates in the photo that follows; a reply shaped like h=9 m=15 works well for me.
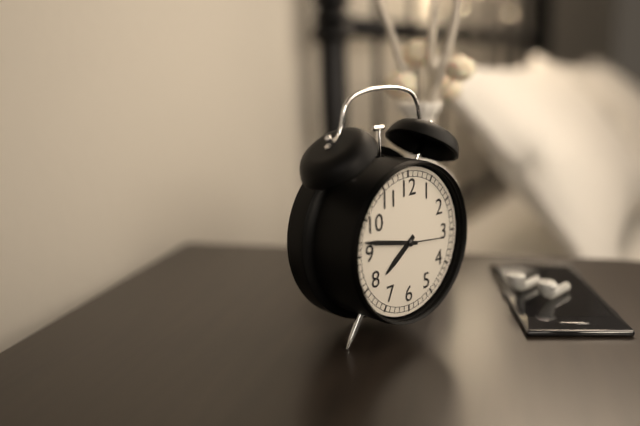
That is h=7 m=47
